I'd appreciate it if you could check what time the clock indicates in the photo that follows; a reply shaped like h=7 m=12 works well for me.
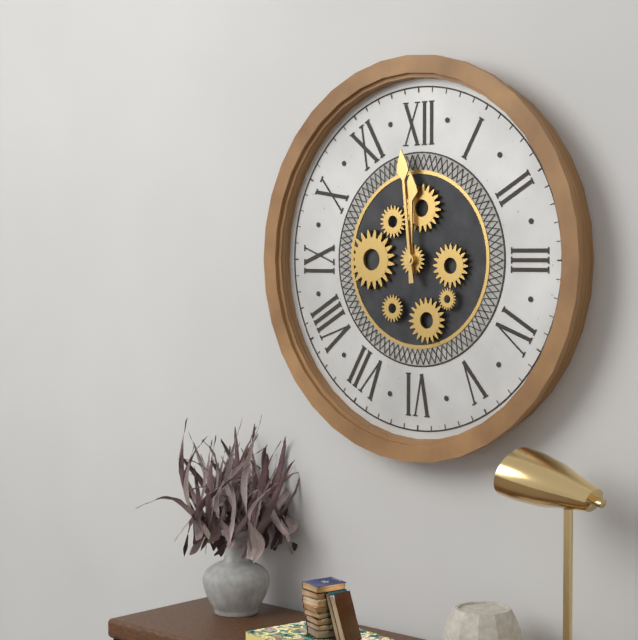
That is h=11 m=59
